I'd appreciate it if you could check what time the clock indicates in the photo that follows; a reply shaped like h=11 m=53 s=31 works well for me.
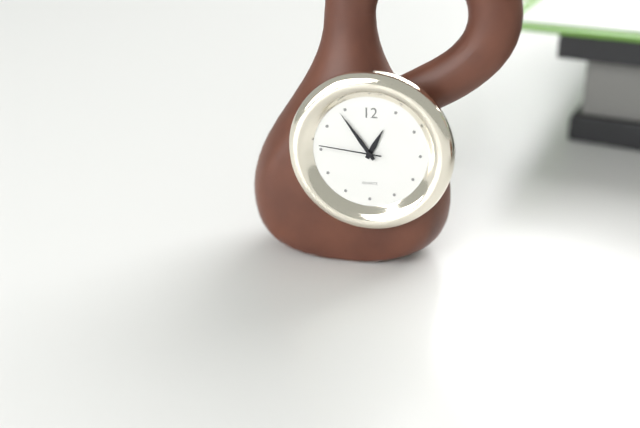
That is h=12 m=54 s=46
